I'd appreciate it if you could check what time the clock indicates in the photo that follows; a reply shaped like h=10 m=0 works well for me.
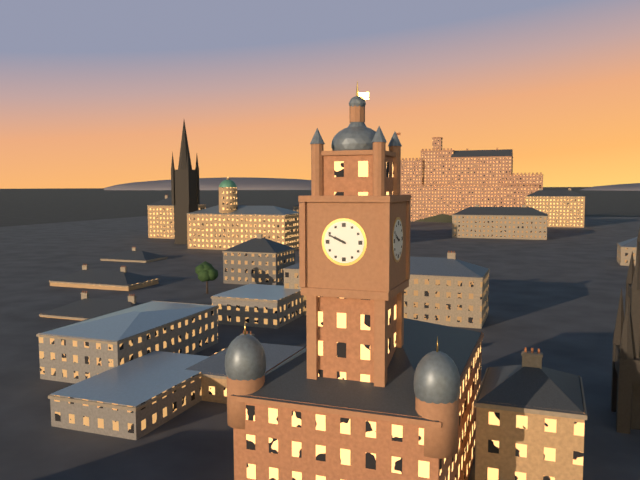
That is h=9 m=49
